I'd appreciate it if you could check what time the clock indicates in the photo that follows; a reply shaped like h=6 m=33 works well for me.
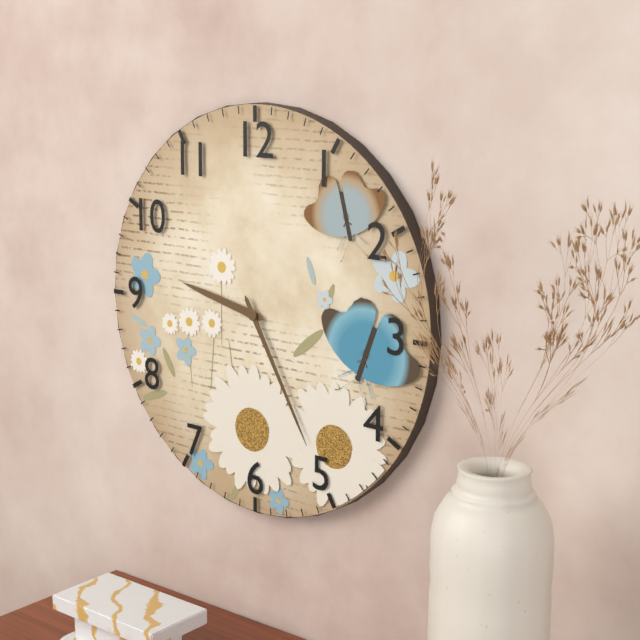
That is h=9 m=25
